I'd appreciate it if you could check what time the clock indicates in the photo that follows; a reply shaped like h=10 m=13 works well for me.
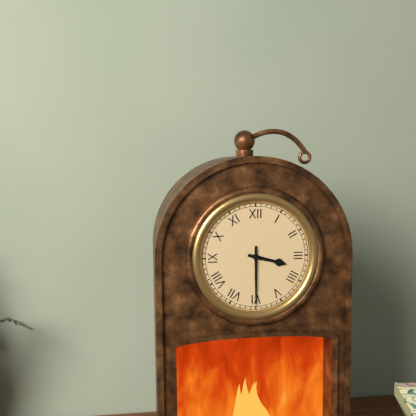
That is h=3 m=30
